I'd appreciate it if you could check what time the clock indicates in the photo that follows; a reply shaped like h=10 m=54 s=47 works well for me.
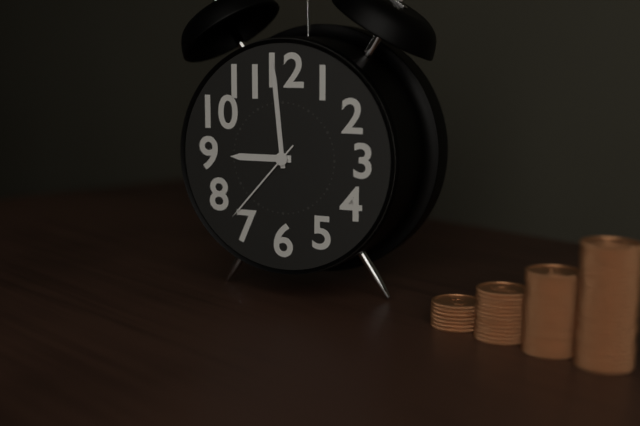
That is h=8 m=59 s=37
